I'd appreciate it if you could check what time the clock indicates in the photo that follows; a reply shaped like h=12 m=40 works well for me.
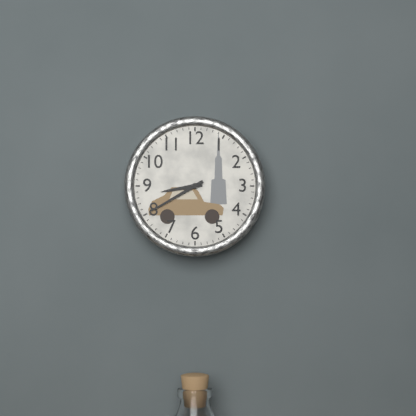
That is h=8 m=40
